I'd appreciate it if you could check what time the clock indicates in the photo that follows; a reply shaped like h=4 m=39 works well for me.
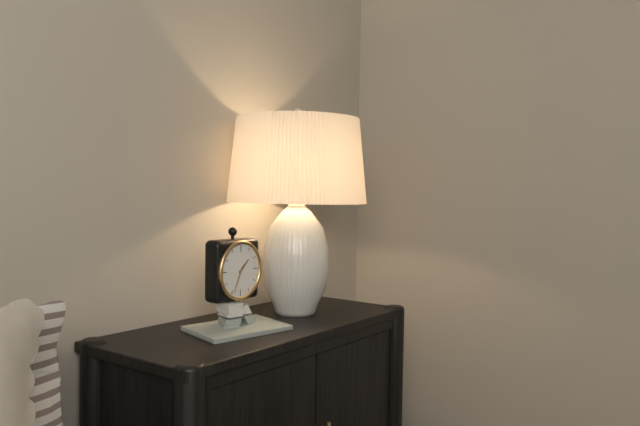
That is h=1 m=34
